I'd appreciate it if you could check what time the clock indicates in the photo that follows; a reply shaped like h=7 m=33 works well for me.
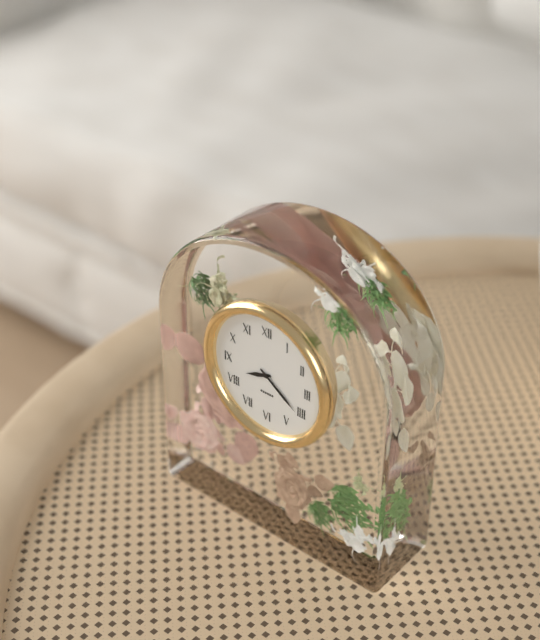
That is h=8 m=21
